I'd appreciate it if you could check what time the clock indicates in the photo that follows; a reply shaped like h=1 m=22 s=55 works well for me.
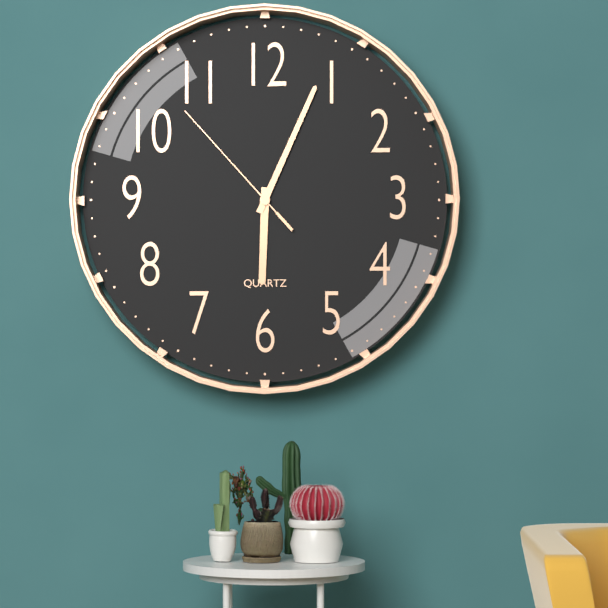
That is h=6 m=4 s=53
